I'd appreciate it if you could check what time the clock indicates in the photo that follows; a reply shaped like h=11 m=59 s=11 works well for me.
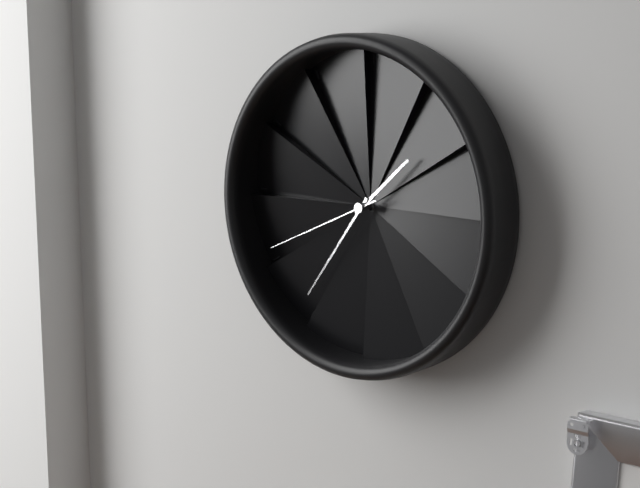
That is h=1 m=36 s=41
